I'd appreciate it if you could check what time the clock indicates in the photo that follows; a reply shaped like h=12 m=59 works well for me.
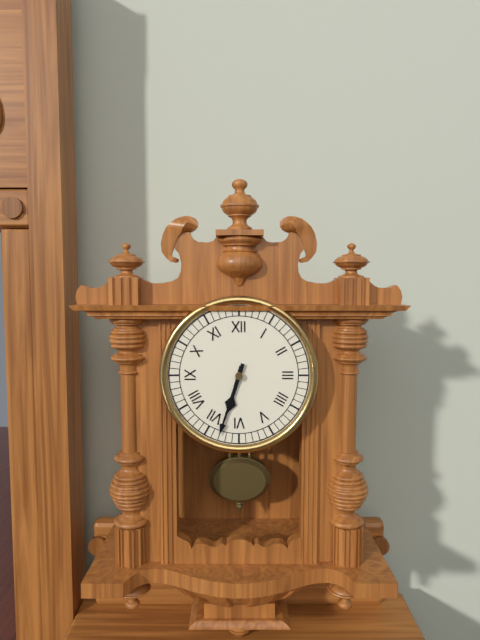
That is h=6 m=33
